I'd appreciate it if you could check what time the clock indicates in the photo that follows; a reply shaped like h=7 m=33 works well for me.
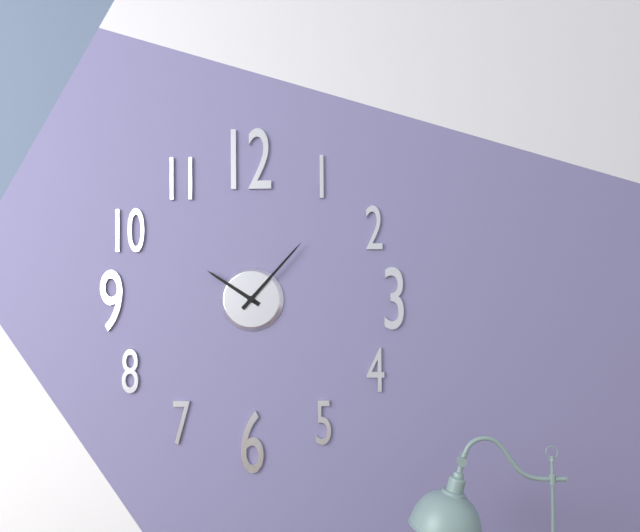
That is h=10 m=7
